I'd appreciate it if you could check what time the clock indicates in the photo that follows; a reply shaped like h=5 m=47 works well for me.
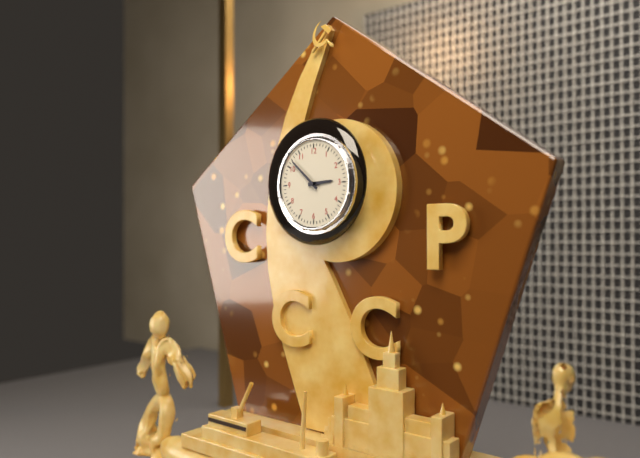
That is h=2 m=52
